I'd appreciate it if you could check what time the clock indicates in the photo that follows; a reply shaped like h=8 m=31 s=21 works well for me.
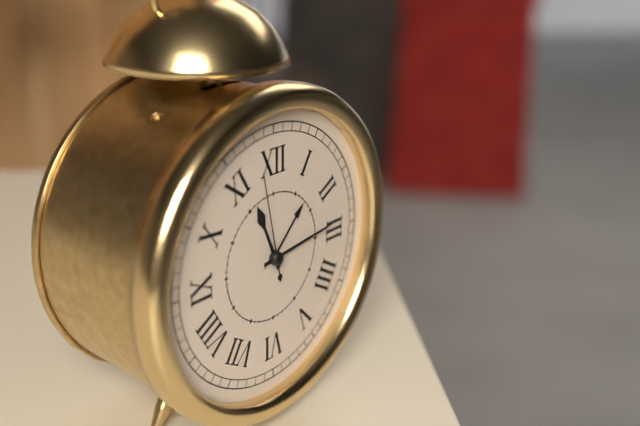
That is h=11 m=14 s=58
